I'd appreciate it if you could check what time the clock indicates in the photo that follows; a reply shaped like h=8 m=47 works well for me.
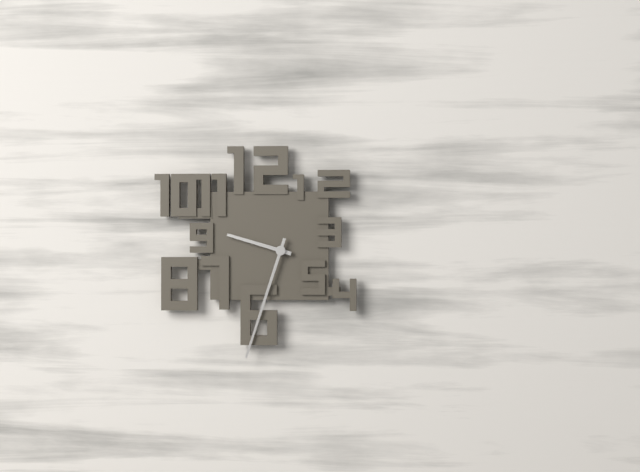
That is h=9 m=33
